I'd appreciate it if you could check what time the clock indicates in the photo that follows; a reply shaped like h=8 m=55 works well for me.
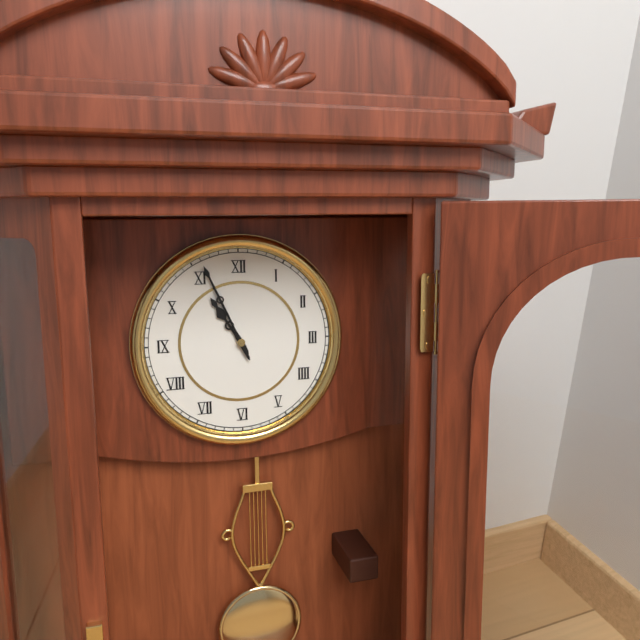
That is h=10 m=56
